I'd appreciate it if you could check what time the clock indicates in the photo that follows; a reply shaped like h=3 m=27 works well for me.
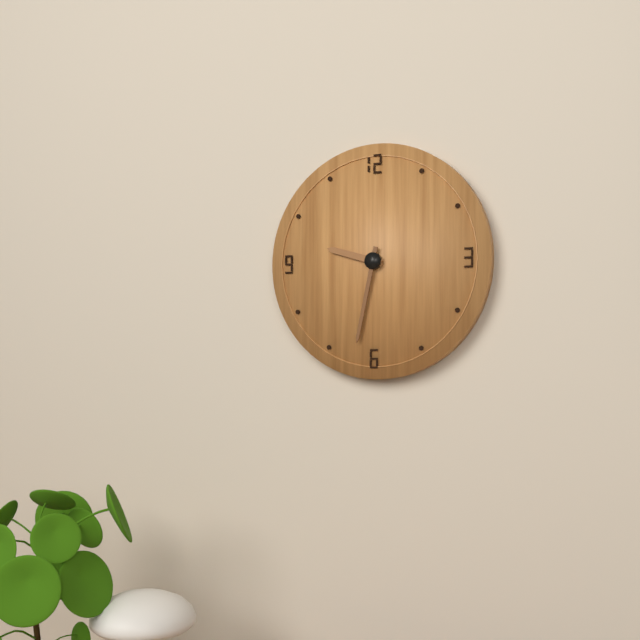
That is h=9 m=32
